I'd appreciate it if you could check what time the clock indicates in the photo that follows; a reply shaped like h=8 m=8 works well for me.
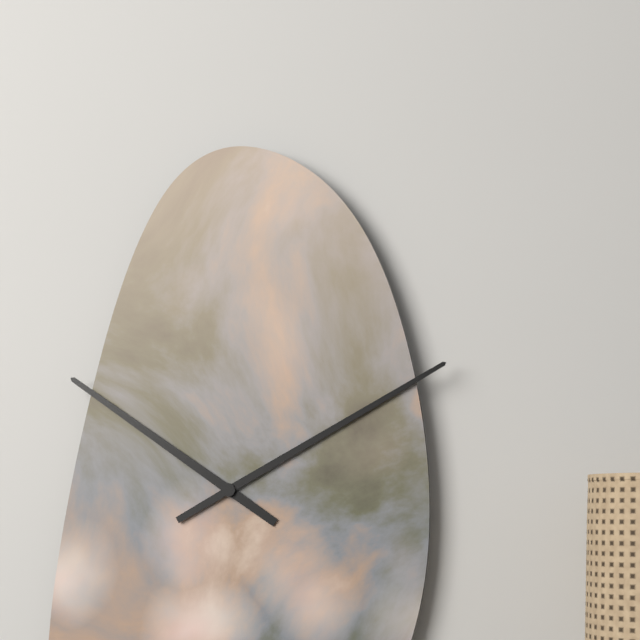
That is h=10 m=10
